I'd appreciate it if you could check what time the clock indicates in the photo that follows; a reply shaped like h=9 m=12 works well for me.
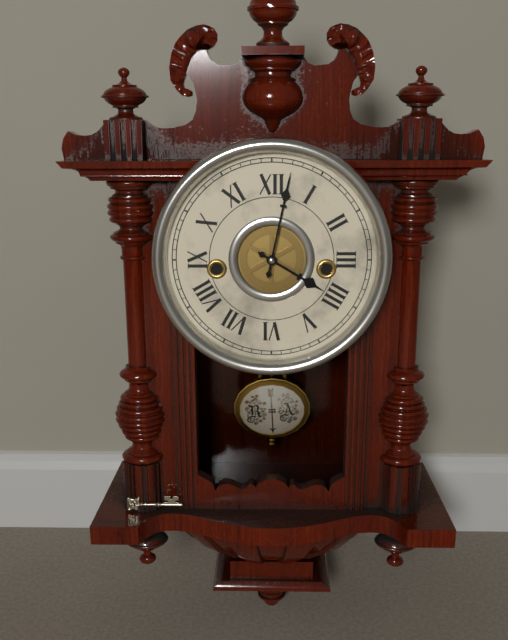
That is h=4 m=2
